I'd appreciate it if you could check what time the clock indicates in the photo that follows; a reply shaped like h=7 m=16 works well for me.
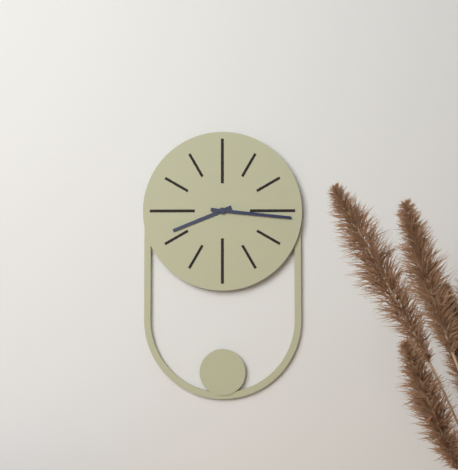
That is h=8 m=16
